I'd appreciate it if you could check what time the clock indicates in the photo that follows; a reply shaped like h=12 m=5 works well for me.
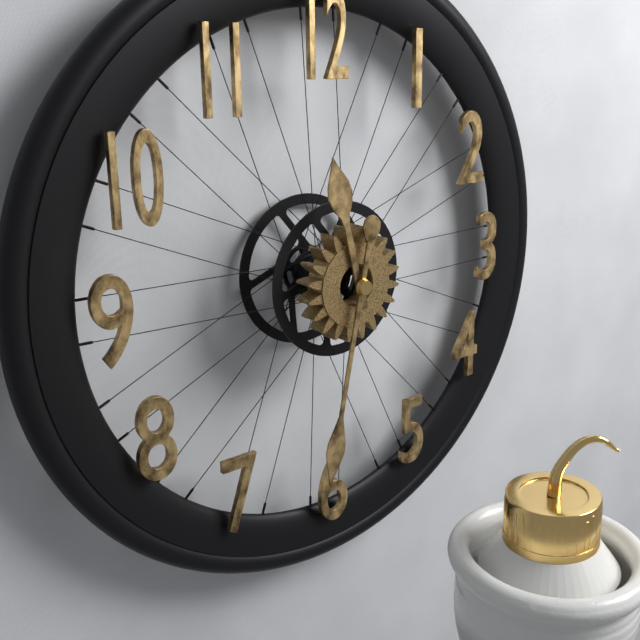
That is h=11 m=32
